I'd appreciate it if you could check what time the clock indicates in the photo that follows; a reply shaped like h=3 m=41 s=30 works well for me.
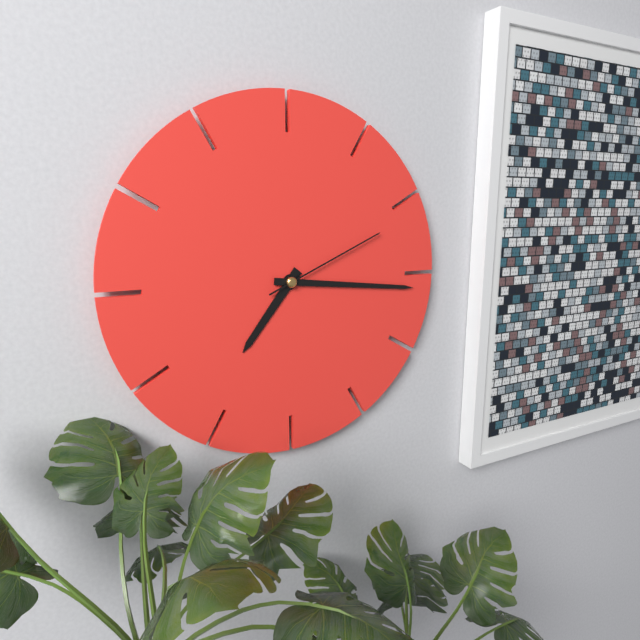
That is h=7 m=16 s=11
